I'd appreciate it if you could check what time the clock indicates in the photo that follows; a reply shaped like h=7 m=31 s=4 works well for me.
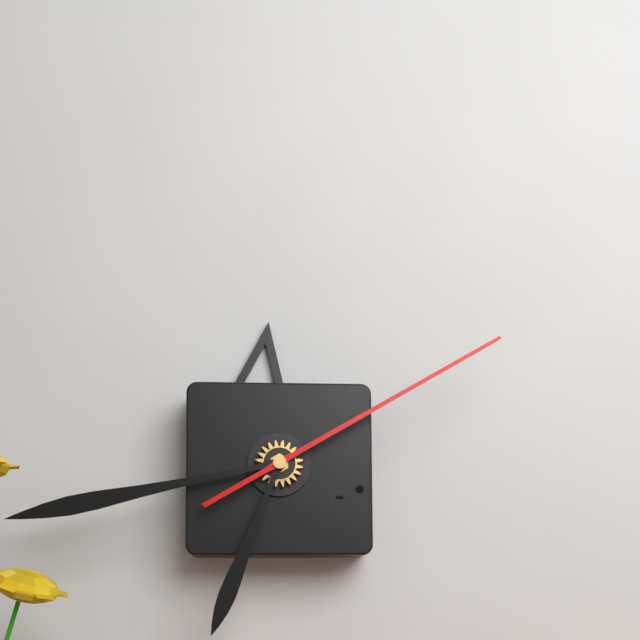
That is h=6 m=43 s=10
